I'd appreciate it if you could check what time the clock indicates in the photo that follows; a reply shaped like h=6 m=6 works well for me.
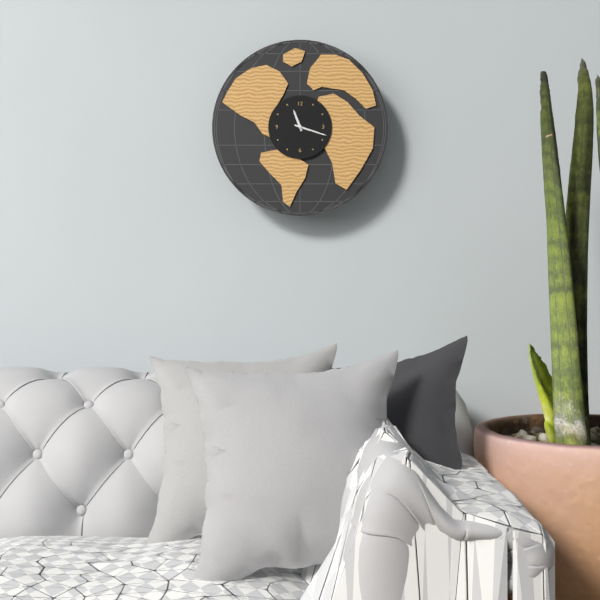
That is h=11 m=18
